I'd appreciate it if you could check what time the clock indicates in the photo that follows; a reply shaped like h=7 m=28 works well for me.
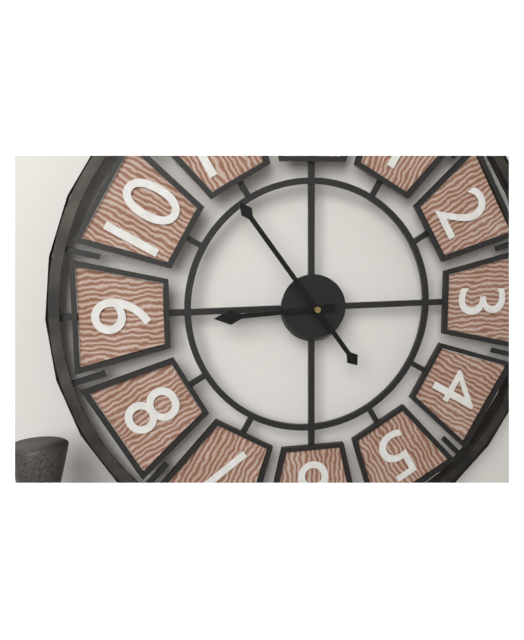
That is h=8 m=54
